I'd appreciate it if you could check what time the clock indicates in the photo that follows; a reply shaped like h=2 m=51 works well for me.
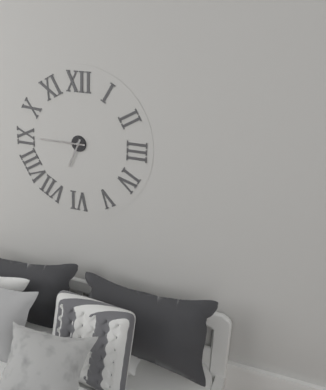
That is h=6 m=45
